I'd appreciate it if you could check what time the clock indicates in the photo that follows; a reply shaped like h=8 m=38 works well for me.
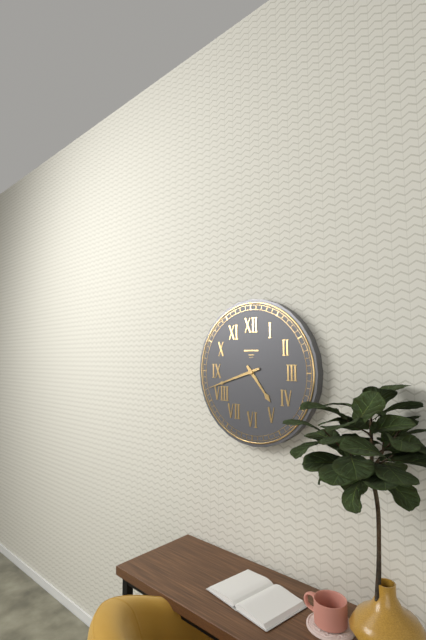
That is h=4 m=42
